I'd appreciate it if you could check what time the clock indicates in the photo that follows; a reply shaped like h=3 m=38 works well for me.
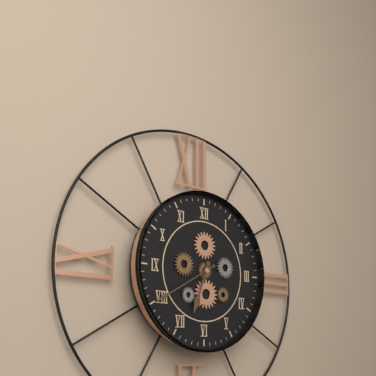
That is h=6 m=40
